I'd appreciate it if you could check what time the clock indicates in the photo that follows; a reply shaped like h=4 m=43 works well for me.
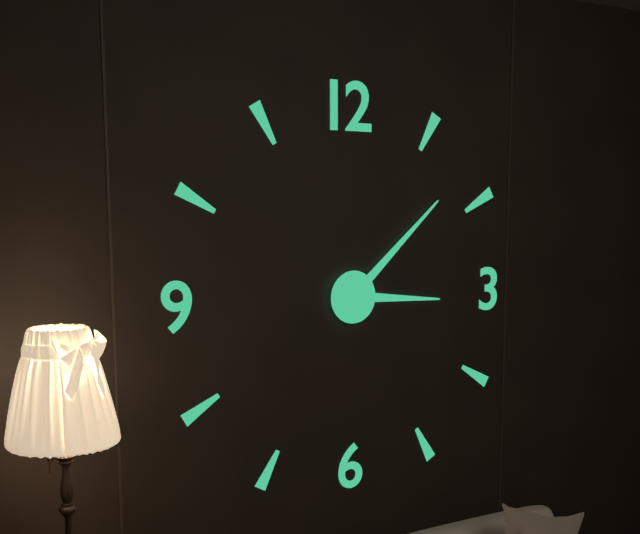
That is h=3 m=8
